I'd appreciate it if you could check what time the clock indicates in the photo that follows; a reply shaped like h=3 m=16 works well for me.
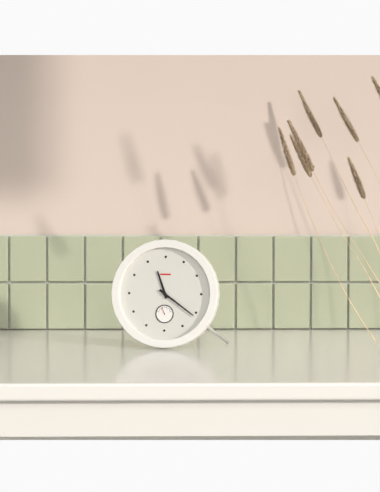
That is h=11 m=21
